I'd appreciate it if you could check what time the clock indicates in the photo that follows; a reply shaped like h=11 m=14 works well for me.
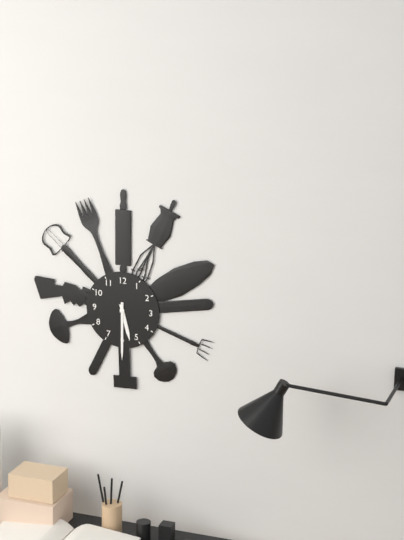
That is h=5 m=30
